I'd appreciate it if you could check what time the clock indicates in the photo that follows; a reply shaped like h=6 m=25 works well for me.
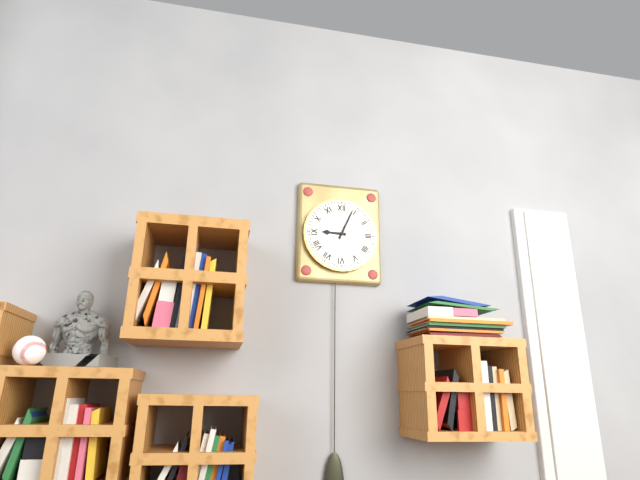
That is h=9 m=4
